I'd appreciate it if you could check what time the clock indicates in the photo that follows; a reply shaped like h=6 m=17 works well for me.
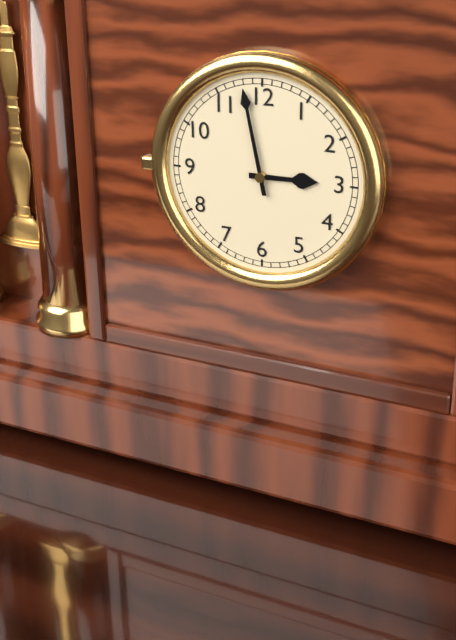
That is h=2 m=58
